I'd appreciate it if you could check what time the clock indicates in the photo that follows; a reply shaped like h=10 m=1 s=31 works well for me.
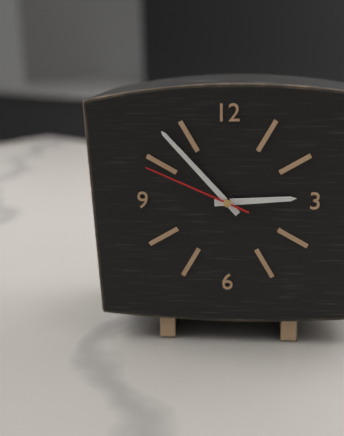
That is h=2 m=53 s=49
